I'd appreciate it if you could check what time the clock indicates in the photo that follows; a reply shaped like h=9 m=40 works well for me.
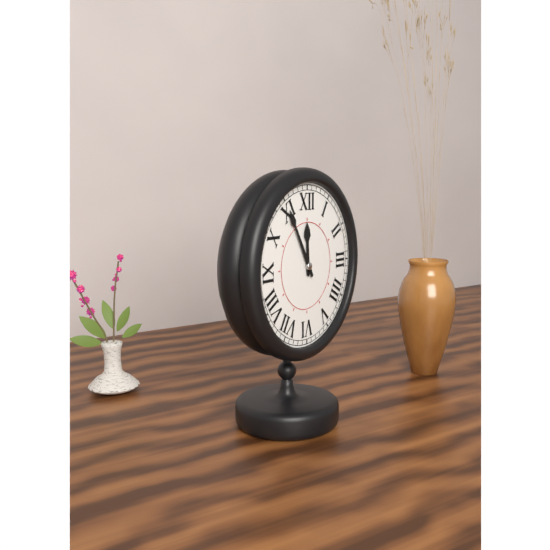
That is h=11 m=55
